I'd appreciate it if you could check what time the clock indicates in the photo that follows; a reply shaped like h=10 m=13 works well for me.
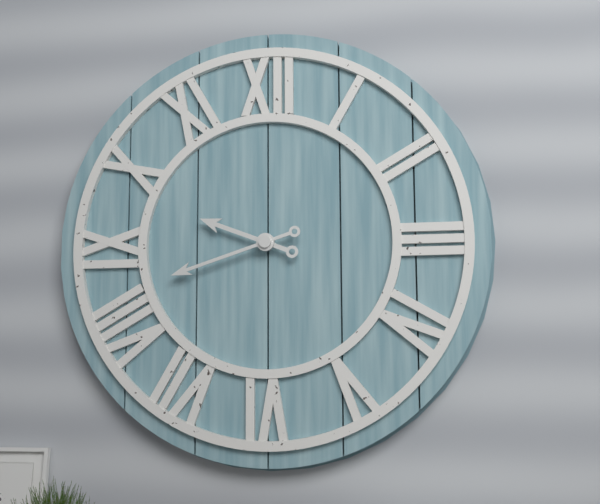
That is h=9 m=42
